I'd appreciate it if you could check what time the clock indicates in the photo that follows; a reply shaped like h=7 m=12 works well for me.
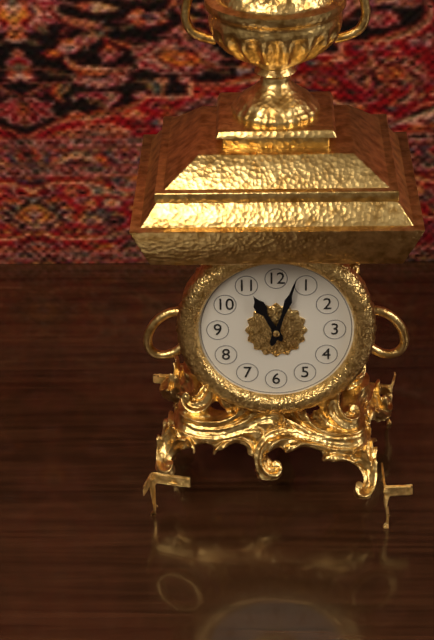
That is h=11 m=3
